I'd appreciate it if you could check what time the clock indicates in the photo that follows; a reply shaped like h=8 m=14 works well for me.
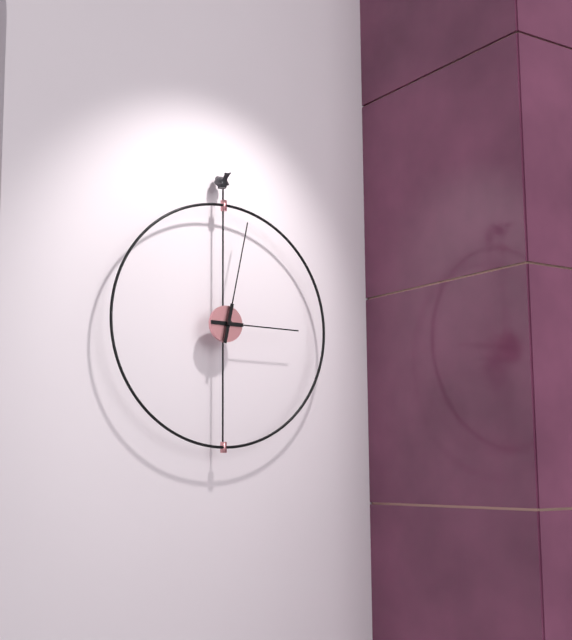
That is h=3 m=2
